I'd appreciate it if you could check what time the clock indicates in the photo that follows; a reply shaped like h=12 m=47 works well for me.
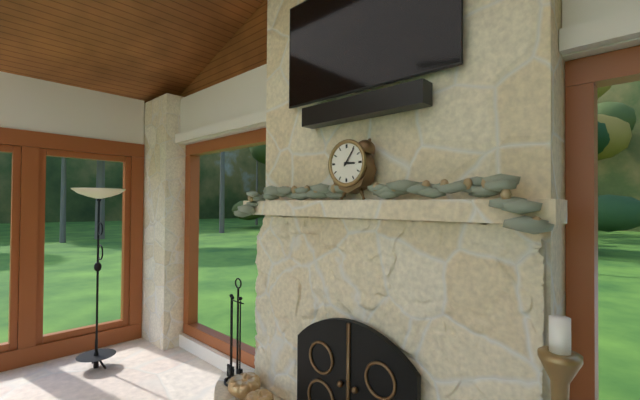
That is h=3 m=6
